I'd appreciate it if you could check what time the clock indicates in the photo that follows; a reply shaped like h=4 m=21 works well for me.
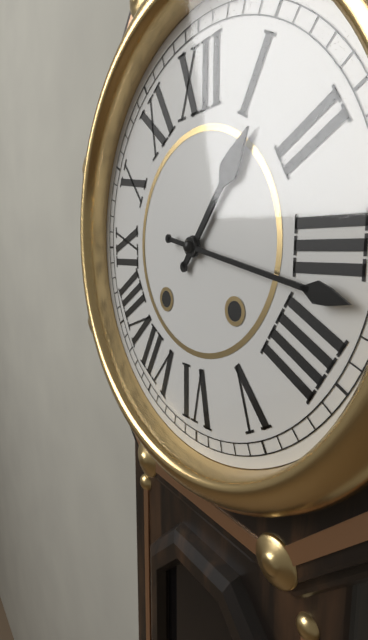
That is h=1 m=17
